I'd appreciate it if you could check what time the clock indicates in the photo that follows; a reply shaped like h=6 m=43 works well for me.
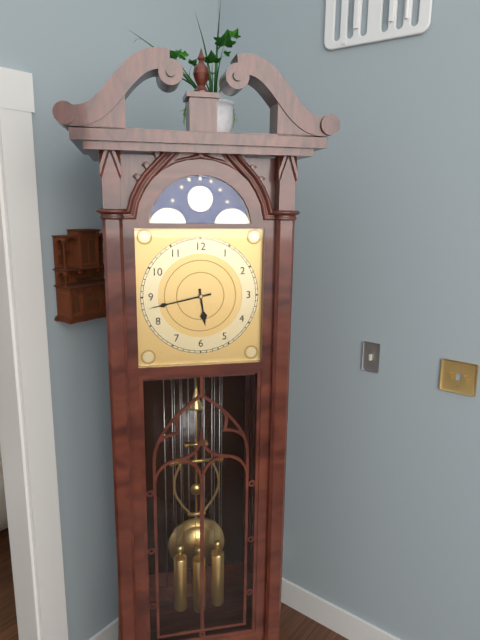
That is h=5 m=43
